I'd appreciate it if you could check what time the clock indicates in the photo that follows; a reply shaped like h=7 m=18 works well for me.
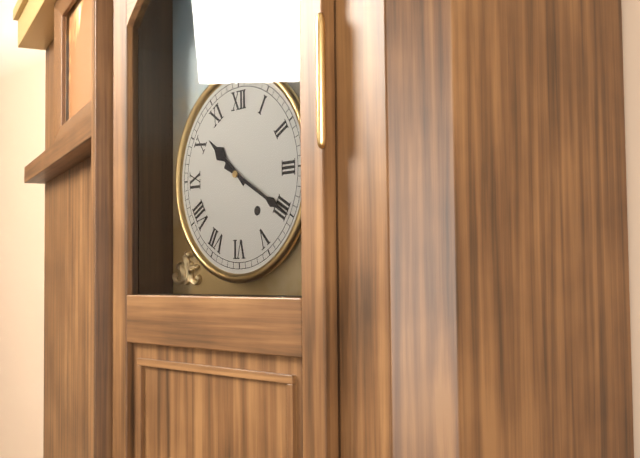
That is h=10 m=20
